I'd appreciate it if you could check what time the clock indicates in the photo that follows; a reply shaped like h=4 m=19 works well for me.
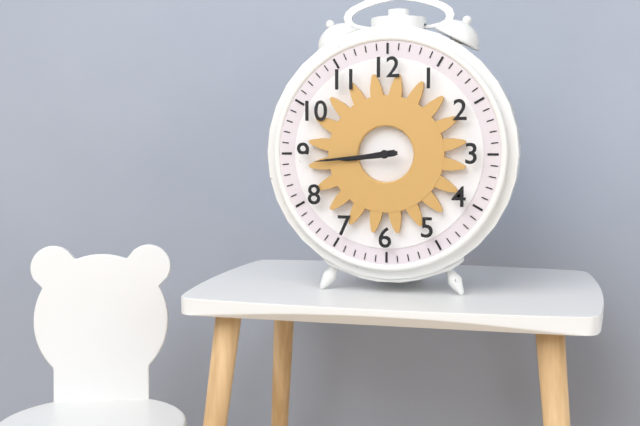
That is h=8 m=44
